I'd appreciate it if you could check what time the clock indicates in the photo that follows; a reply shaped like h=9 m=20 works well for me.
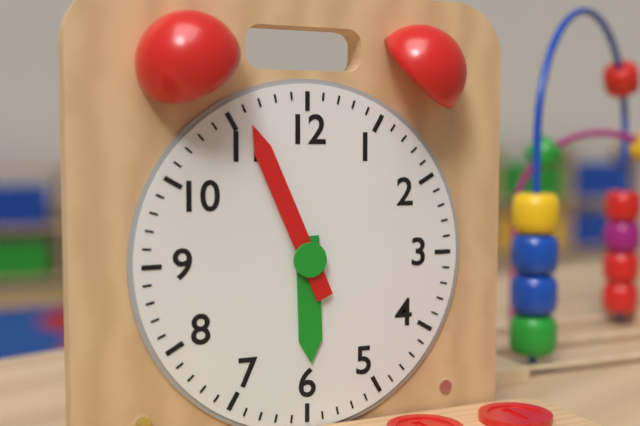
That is h=5 m=56
